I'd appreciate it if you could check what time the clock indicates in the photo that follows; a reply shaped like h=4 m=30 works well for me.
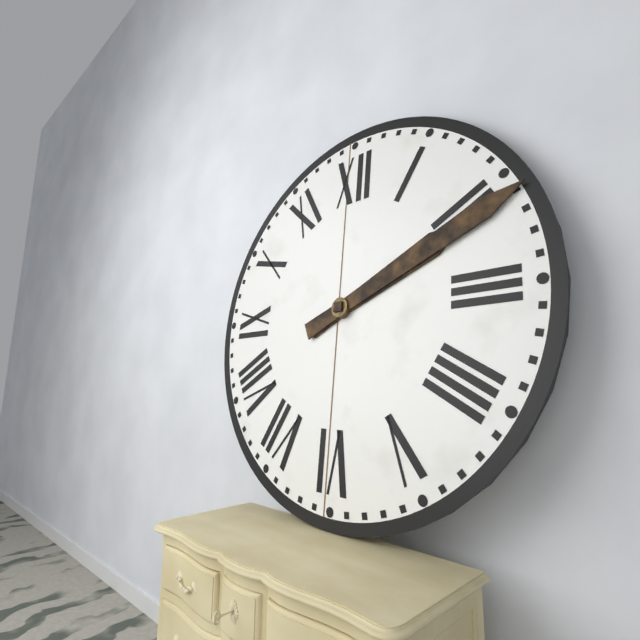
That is h=2 m=11
